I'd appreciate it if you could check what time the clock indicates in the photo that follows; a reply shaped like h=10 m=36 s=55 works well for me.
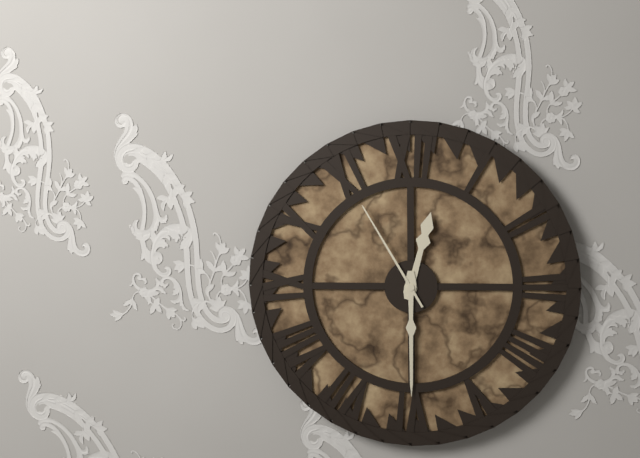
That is h=12 m=30 s=55
